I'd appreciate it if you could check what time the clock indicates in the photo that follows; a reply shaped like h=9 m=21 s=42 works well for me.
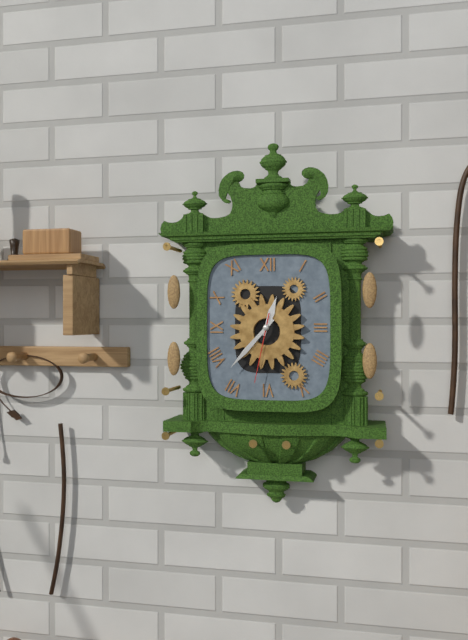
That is h=12 m=37 s=32
